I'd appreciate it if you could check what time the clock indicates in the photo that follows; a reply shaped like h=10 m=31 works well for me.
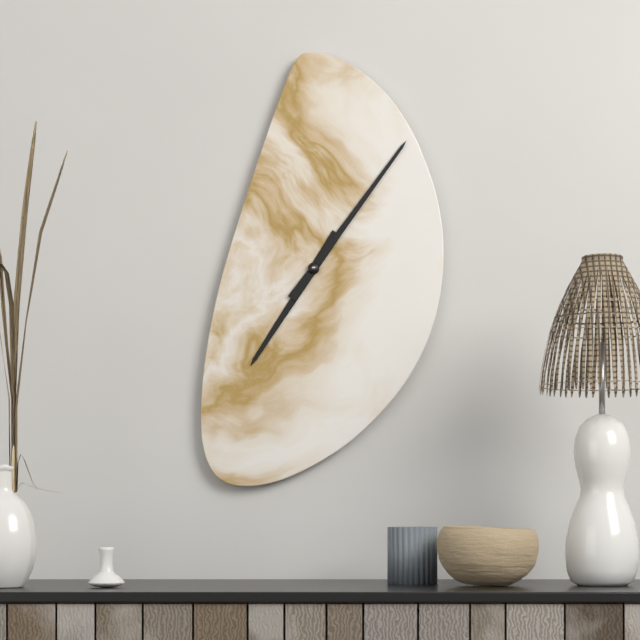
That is h=7 m=6
